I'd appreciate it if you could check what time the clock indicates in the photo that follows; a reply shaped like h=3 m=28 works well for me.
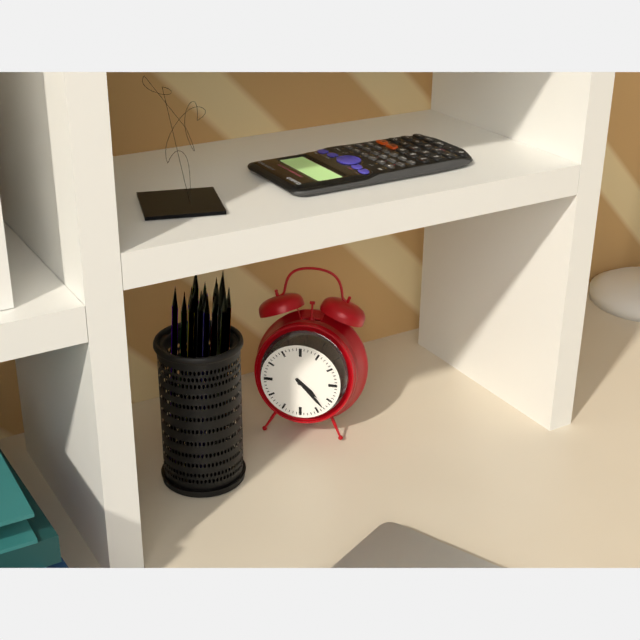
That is h=4 m=23
